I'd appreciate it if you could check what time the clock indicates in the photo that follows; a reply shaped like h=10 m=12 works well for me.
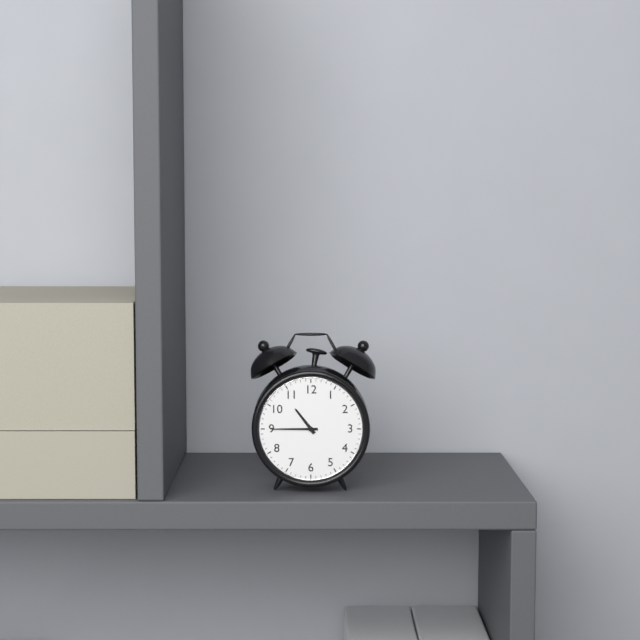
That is h=10 m=45
